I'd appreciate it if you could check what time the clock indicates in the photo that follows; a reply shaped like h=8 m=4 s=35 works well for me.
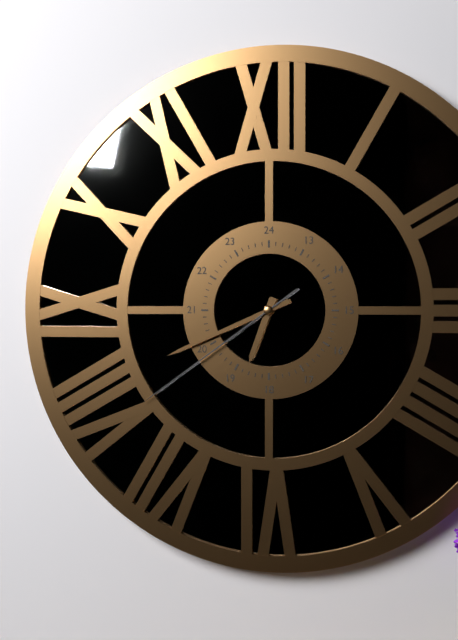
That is h=6 m=41 s=39
